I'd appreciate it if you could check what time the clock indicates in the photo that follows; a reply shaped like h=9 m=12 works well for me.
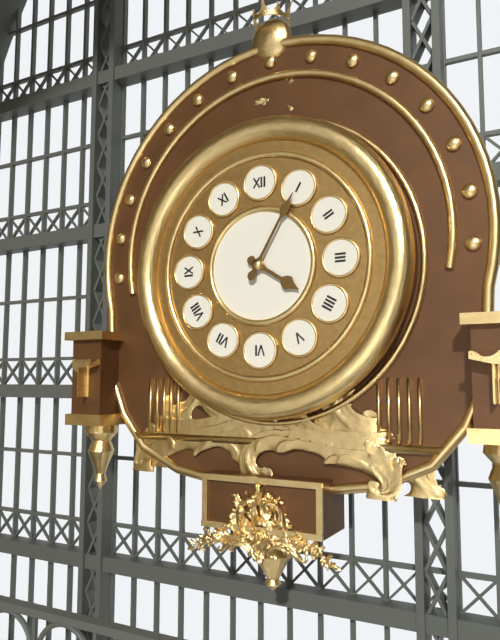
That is h=4 m=5
